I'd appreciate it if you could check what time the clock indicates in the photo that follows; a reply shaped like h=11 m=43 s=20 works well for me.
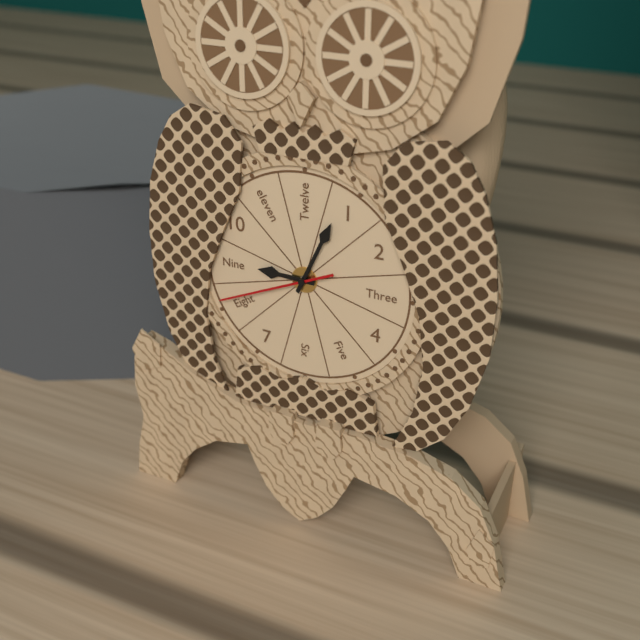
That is h=9 m=4 s=41
